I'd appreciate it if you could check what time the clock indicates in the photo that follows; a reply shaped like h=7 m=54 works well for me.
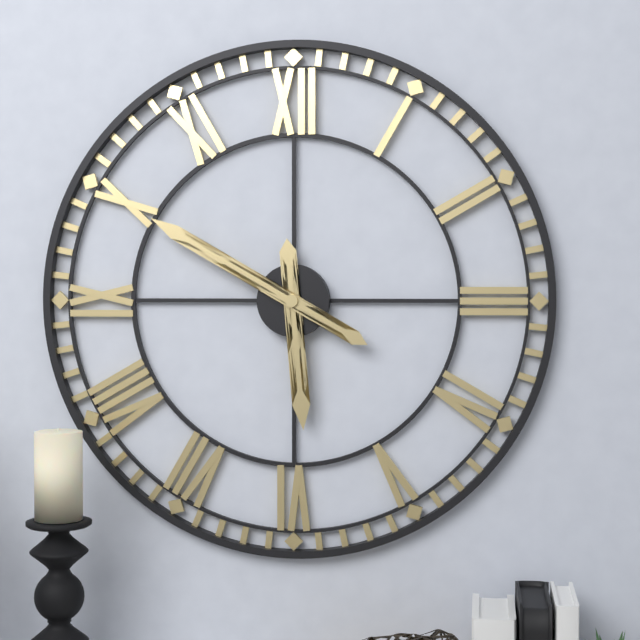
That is h=5 m=50
